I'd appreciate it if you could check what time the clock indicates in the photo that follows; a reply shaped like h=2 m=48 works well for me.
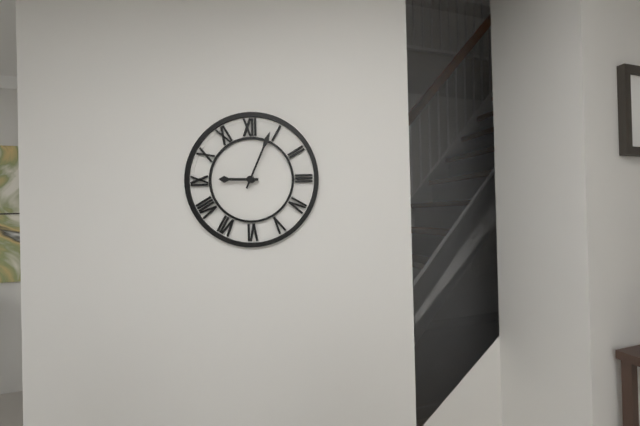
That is h=9 m=4
